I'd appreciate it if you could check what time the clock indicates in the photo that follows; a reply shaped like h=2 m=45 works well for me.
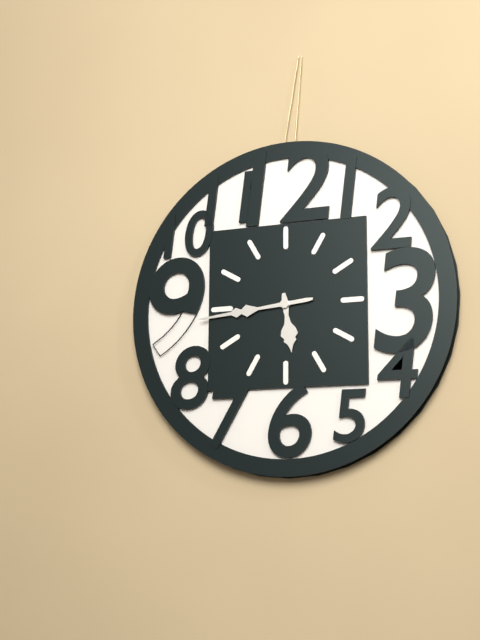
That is h=5 m=44
